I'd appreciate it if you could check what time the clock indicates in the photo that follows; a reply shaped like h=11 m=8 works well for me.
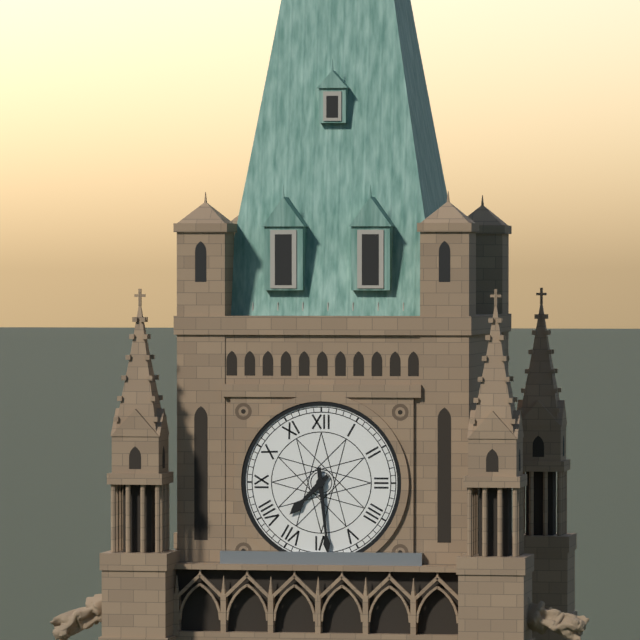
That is h=7 m=29
